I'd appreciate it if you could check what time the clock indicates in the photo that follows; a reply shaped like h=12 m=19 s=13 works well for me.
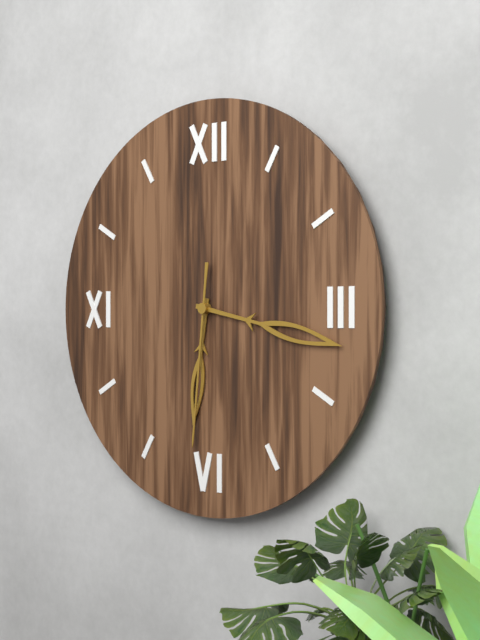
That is h=6 m=17 s=31
